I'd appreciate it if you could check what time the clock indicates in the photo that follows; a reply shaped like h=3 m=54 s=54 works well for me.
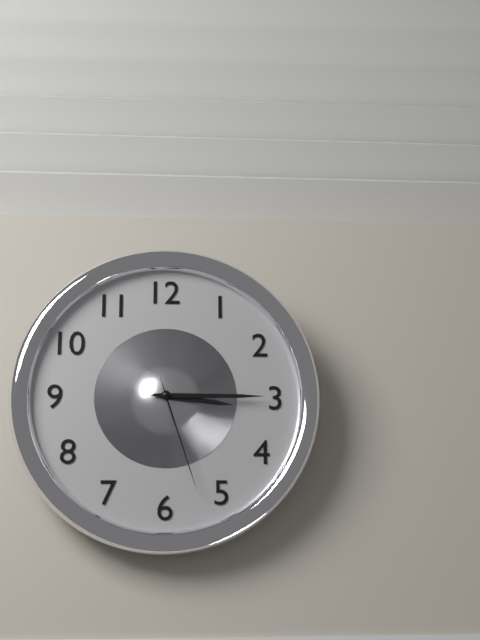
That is h=3 m=15 s=27
